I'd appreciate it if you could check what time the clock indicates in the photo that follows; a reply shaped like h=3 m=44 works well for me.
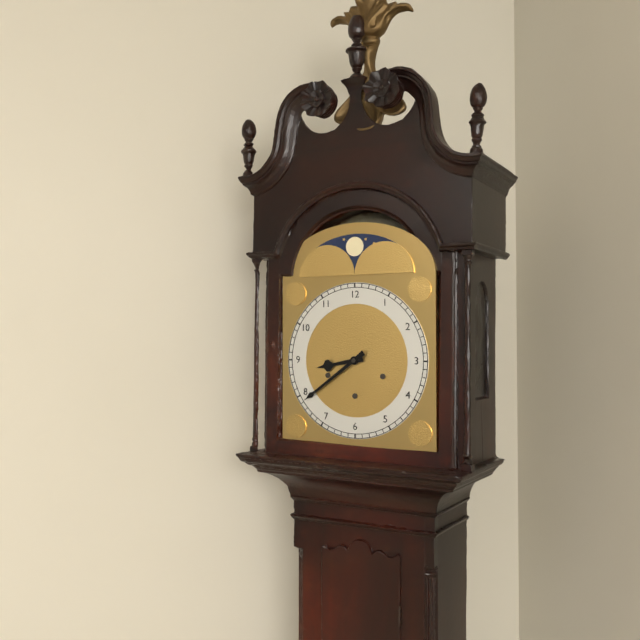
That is h=8 m=39
